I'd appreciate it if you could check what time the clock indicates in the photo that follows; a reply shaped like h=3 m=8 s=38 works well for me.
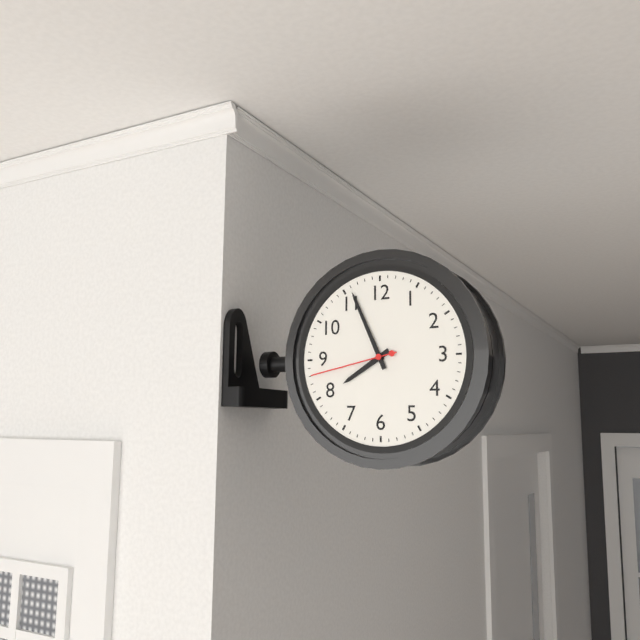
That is h=7 m=56 s=43
